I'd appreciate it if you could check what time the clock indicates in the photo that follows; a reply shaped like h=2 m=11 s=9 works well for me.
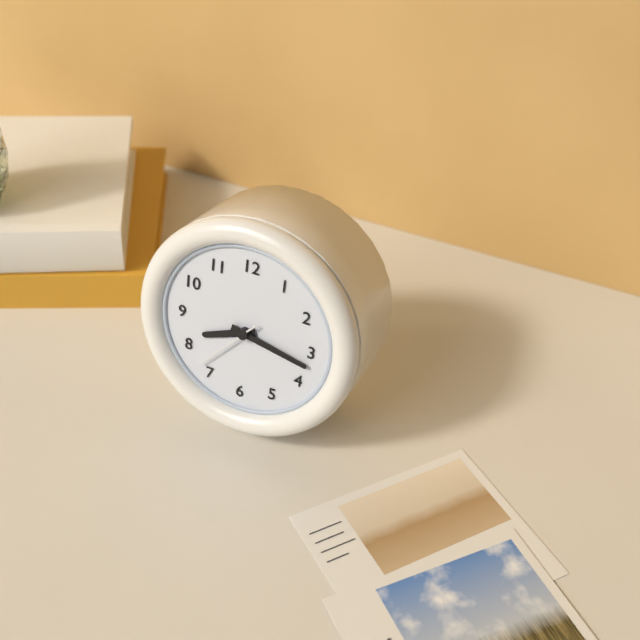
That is h=8 m=17 s=37
